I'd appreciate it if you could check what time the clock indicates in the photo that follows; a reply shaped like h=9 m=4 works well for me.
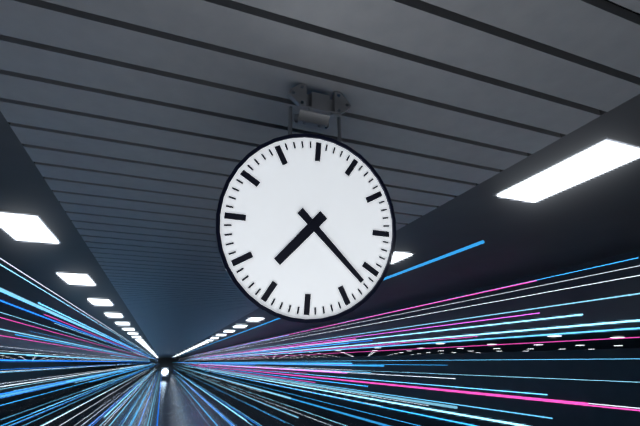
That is h=7 m=22
